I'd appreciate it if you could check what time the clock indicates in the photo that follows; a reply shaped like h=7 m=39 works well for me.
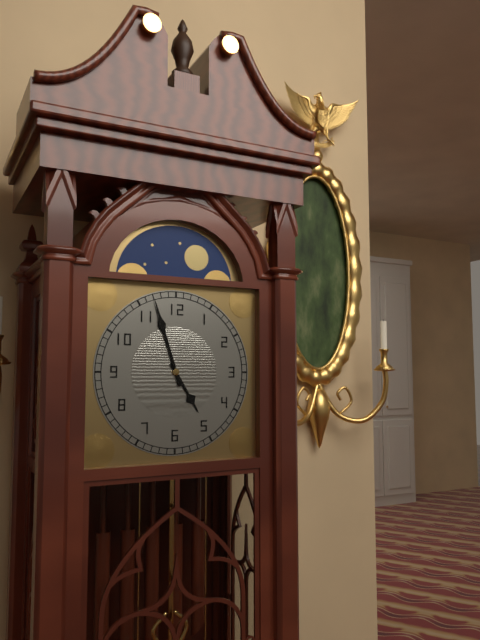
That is h=4 m=57
